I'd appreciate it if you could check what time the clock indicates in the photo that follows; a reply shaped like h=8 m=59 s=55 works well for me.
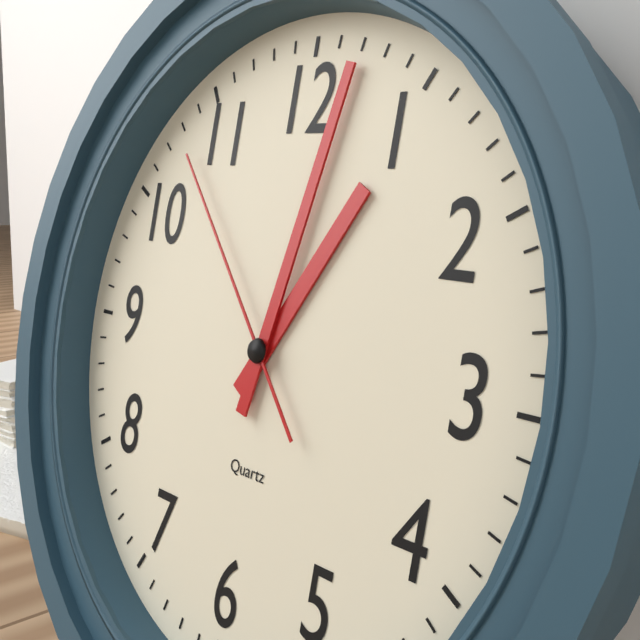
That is h=1 m=2 s=53
